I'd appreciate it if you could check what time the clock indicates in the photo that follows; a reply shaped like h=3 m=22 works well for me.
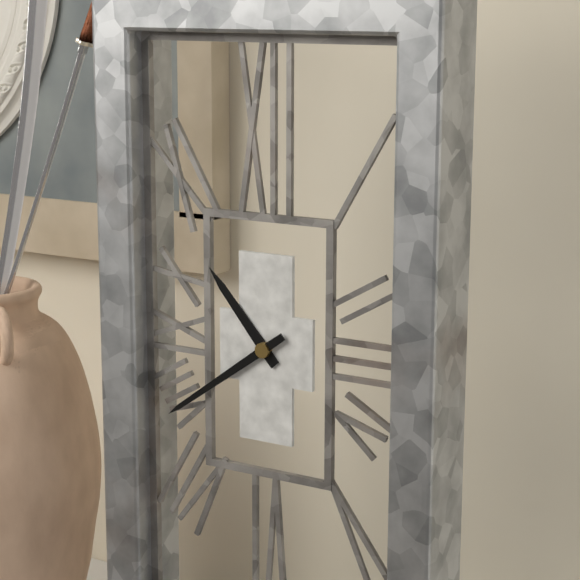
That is h=10 m=39
